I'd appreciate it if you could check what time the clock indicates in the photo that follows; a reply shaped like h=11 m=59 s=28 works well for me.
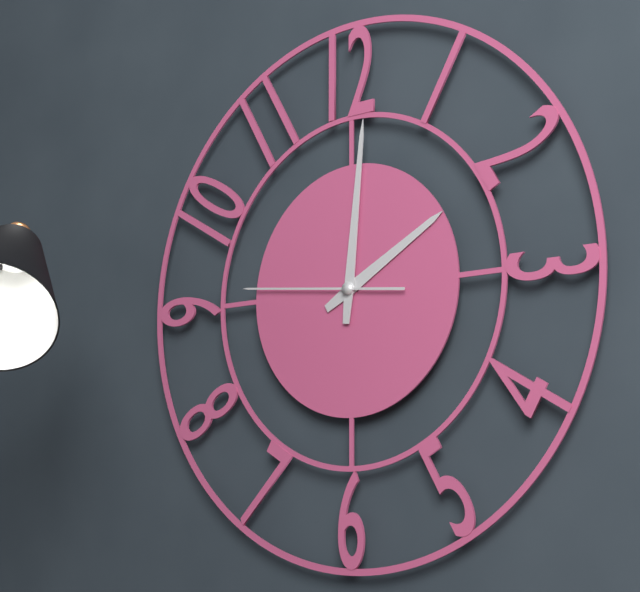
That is h=2 m=1 s=46
